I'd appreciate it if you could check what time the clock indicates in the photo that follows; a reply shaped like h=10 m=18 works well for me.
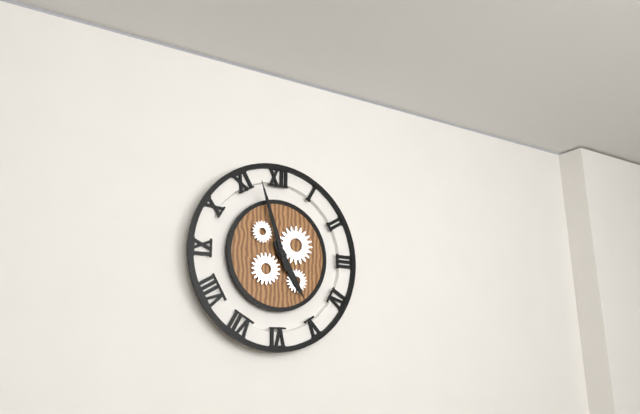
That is h=4 m=57
